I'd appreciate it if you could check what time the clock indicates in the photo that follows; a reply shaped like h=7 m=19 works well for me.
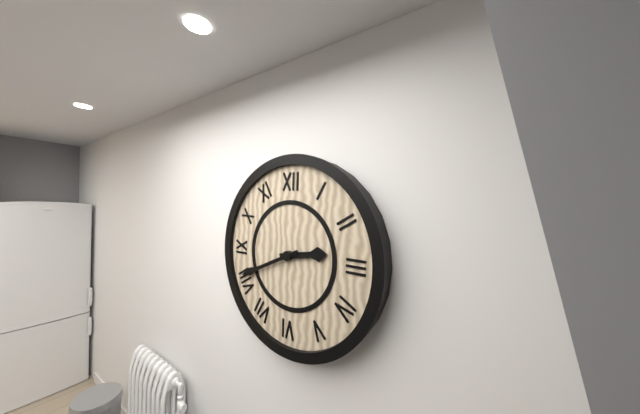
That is h=2 m=41
